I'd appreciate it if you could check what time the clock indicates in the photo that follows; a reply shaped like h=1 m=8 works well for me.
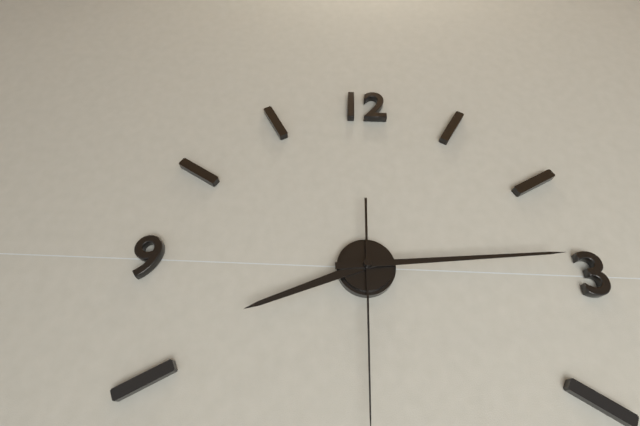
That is h=8 m=14
